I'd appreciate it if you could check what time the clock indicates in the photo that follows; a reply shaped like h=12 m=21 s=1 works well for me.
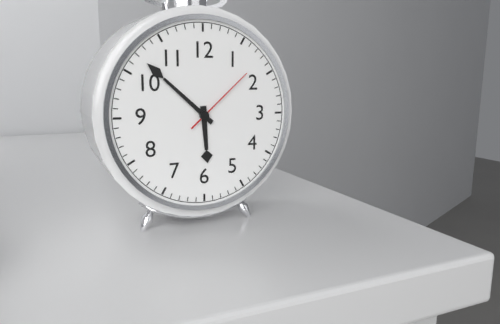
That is h=5 m=52 s=8
